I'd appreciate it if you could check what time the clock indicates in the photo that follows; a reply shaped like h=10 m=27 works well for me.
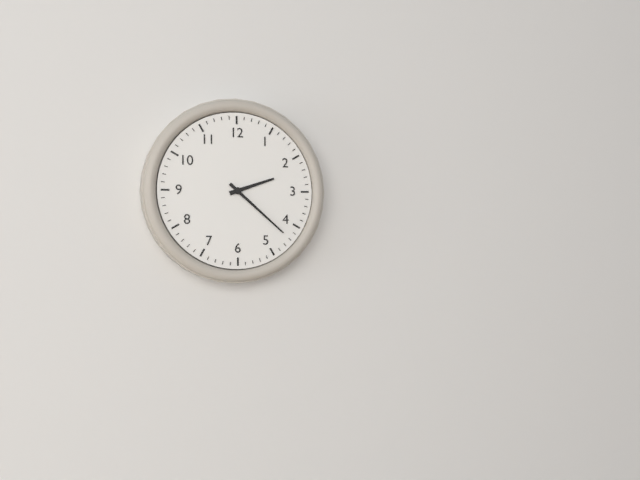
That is h=2 m=22
